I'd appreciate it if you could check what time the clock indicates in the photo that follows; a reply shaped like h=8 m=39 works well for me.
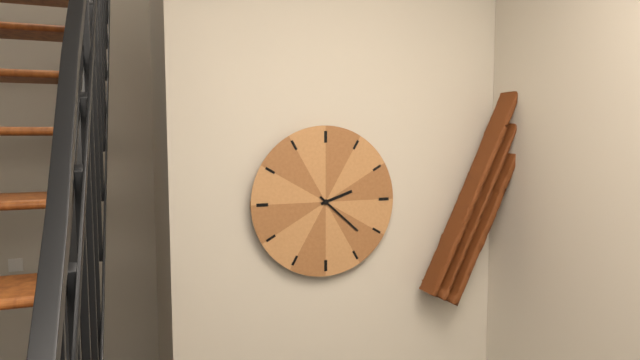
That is h=2 m=22
